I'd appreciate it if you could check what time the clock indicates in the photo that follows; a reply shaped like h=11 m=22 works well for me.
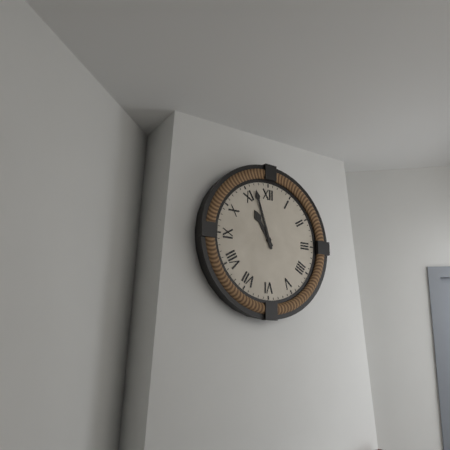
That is h=10 m=57
